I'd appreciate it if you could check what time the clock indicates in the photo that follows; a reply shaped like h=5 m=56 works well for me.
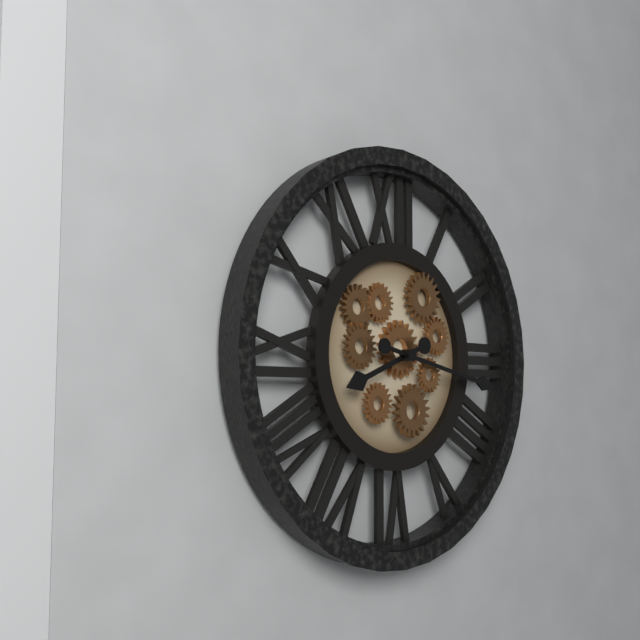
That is h=8 m=17
